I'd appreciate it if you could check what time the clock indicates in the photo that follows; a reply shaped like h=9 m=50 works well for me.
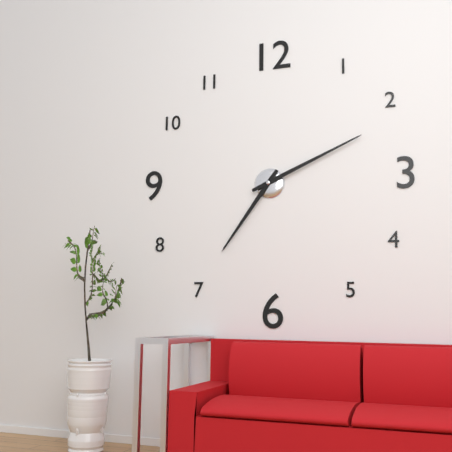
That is h=7 m=11
